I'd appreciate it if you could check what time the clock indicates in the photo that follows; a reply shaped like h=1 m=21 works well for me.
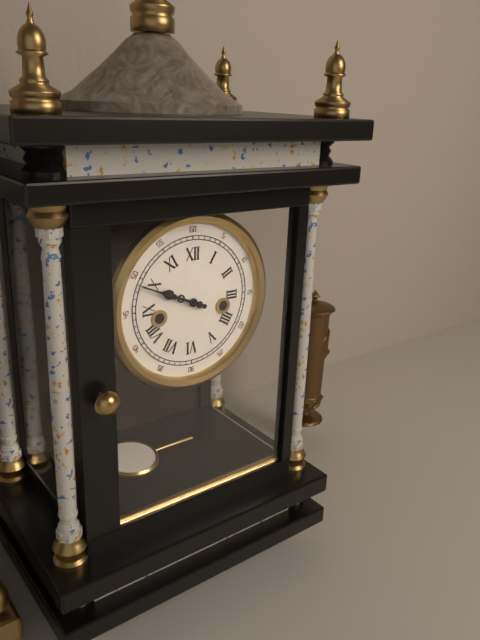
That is h=9 m=49
